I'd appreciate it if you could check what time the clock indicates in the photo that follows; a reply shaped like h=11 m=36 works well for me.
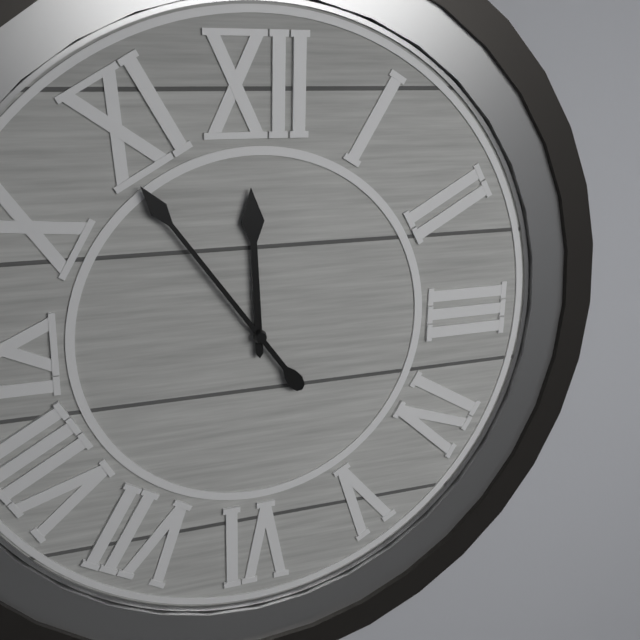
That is h=11 m=54
